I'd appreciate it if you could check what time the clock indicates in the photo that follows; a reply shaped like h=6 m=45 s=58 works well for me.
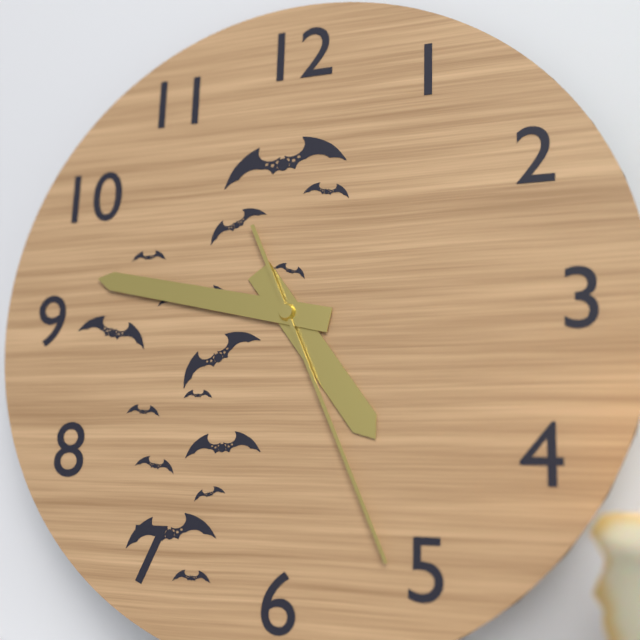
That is h=4 m=47 s=26
